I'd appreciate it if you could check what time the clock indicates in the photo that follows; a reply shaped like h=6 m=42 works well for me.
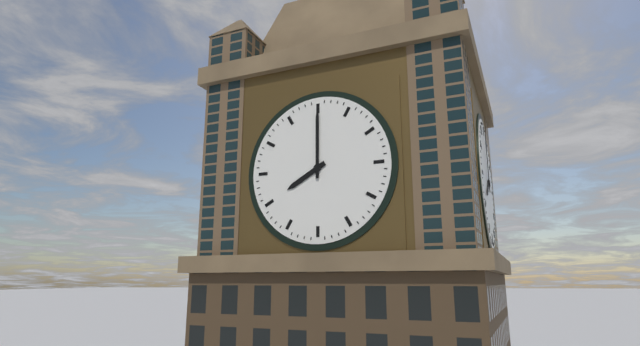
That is h=8 m=0
